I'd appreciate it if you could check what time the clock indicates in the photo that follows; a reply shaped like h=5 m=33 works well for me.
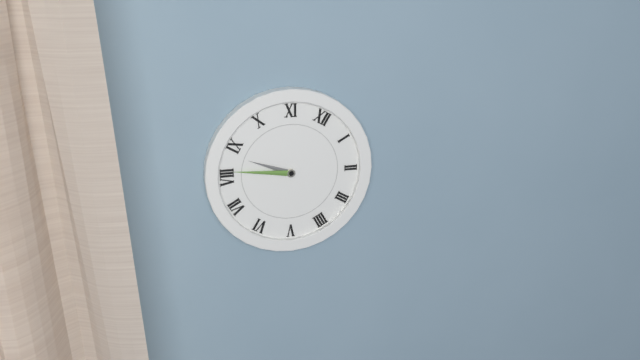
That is h=8 m=41
